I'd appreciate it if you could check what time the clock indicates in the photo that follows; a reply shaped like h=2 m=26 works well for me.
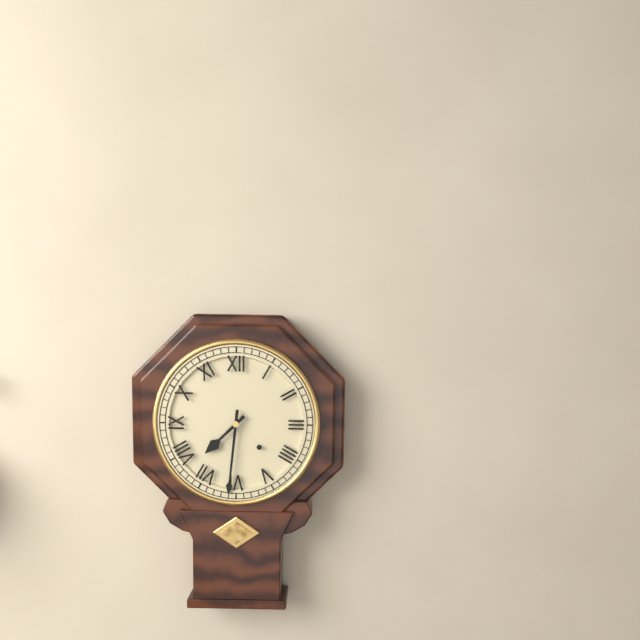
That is h=7 m=31
